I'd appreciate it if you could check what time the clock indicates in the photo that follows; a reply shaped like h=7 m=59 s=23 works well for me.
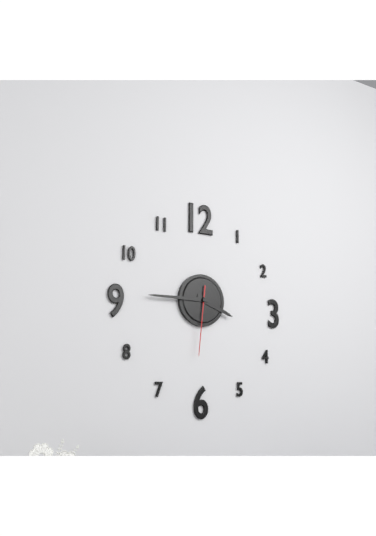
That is h=3 m=45 s=31
